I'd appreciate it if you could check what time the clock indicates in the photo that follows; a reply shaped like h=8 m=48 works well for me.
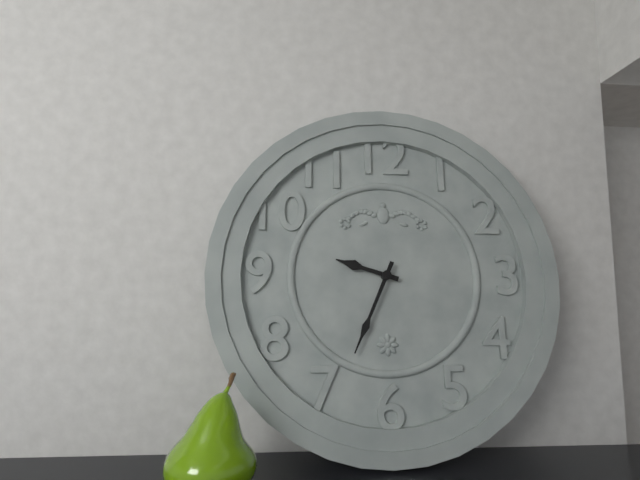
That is h=9 m=34
